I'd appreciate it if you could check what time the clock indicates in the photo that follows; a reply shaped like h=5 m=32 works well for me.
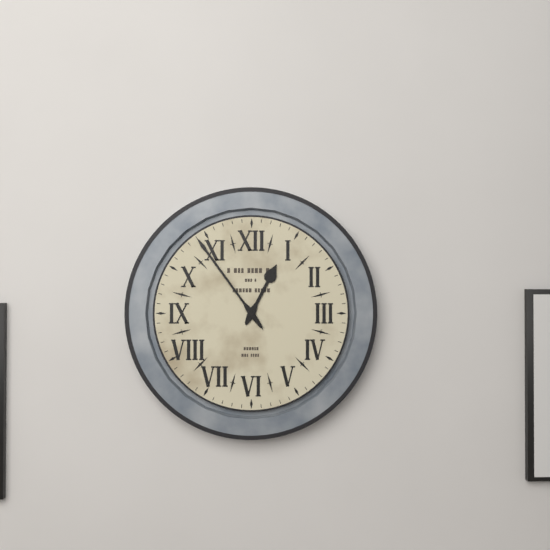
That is h=12 m=54
